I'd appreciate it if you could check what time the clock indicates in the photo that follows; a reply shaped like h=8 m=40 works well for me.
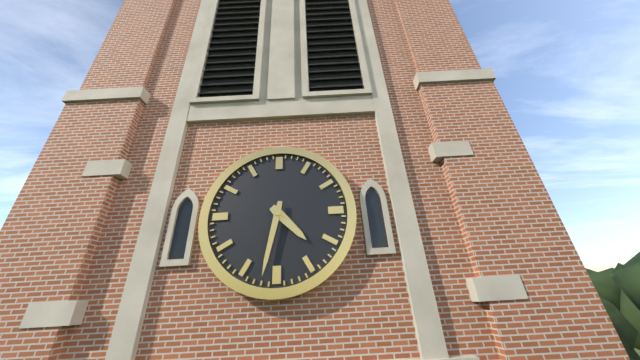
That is h=4 m=32
